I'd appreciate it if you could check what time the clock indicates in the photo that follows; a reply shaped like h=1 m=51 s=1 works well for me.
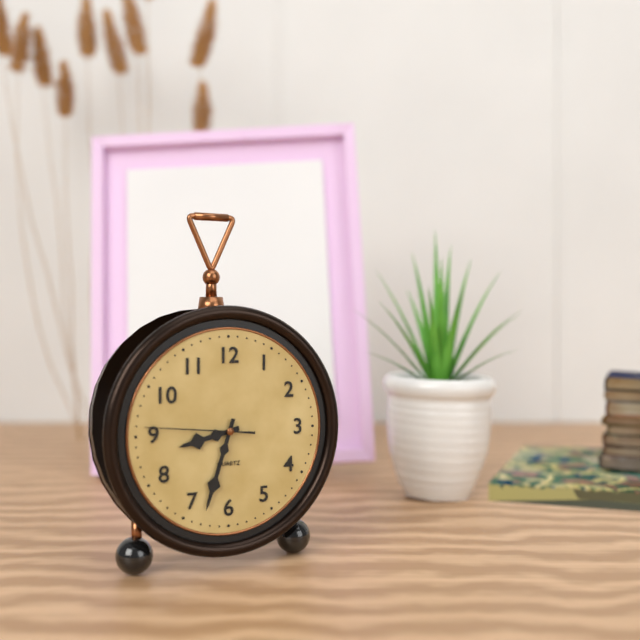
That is h=8 m=33 s=46
